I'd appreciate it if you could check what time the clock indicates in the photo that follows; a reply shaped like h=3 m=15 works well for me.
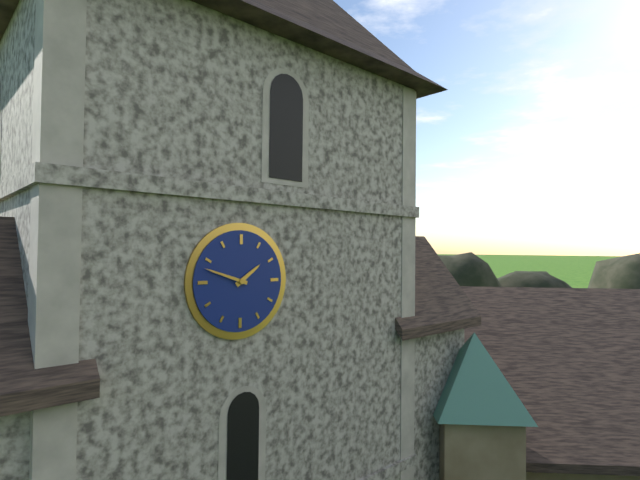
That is h=1 m=48
